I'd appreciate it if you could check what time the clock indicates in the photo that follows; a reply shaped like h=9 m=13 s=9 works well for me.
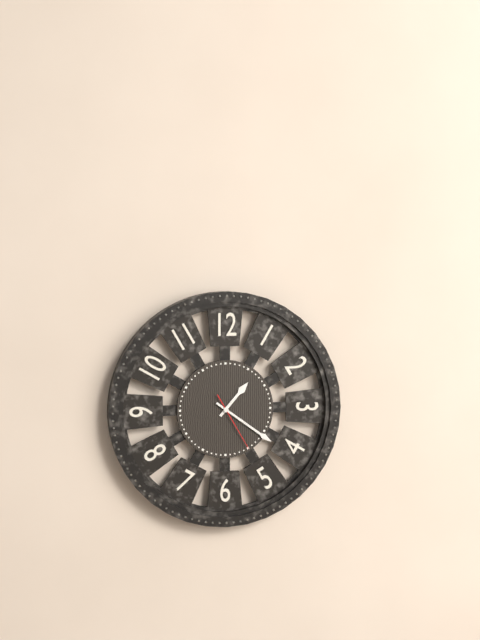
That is h=1 m=21 s=25
